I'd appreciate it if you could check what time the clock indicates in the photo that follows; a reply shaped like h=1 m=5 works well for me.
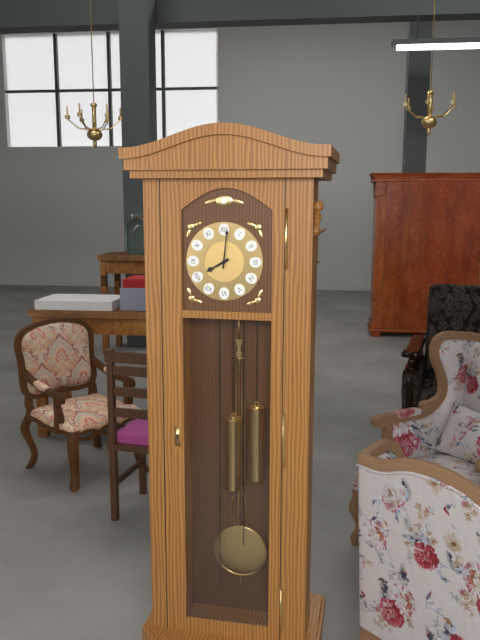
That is h=8 m=1
